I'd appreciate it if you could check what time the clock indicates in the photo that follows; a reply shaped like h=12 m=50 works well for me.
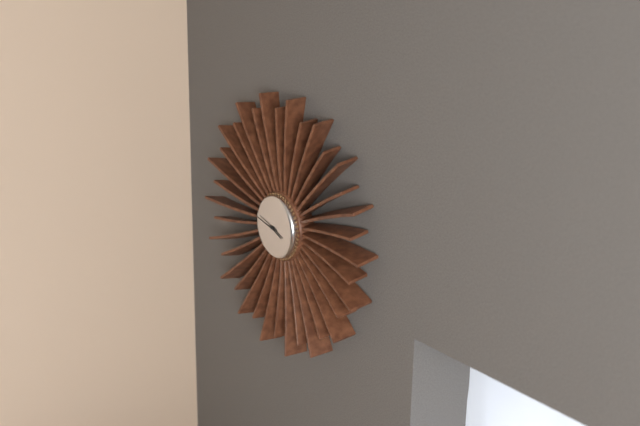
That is h=3 m=47
